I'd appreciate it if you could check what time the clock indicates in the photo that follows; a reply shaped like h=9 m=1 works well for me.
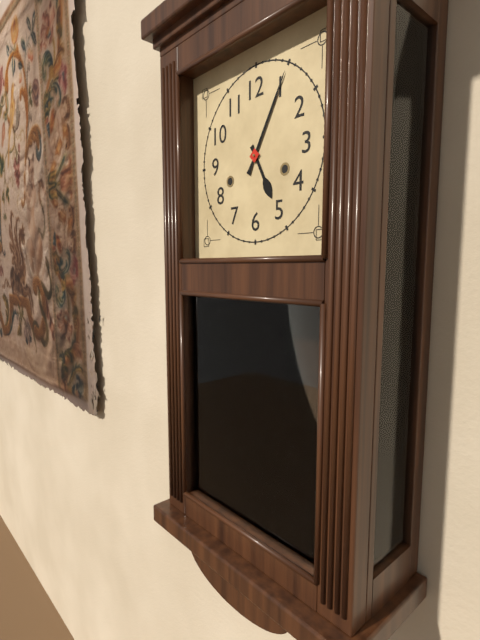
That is h=5 m=5
